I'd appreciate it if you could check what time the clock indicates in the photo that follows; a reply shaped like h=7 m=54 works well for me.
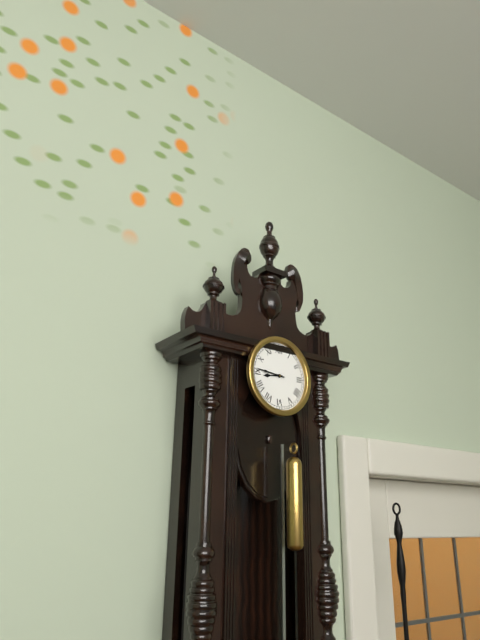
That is h=8 m=46
